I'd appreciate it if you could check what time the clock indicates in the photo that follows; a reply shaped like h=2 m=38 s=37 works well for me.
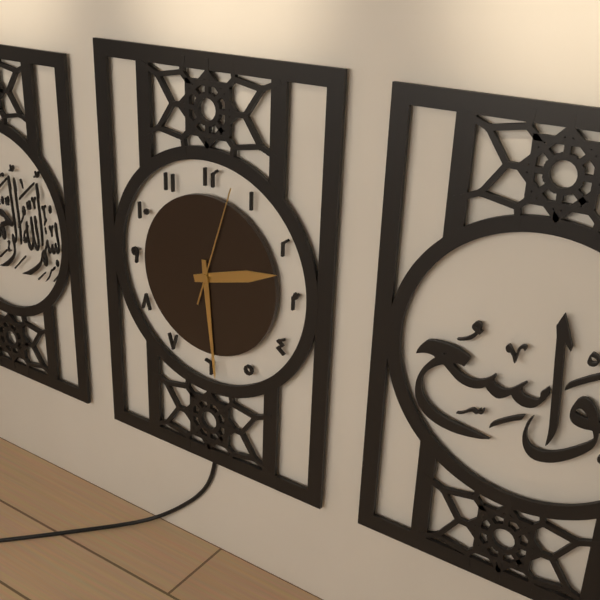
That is h=2 m=29 s=3
